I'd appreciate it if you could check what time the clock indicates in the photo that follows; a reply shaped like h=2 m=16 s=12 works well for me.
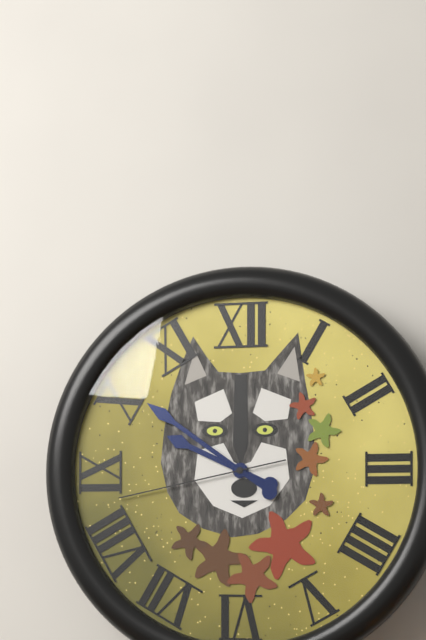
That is h=9 m=51 s=43
